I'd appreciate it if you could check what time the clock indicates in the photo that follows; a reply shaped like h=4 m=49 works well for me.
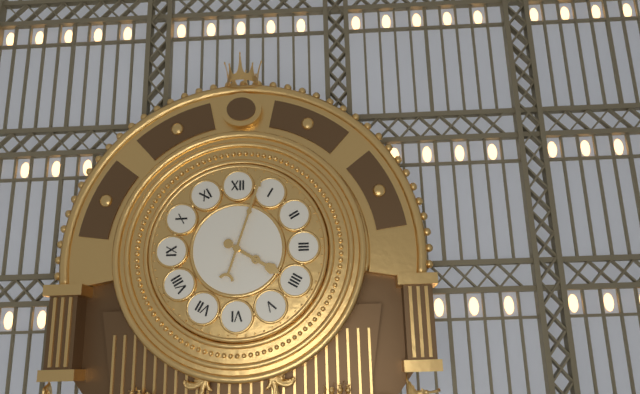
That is h=4 m=3
